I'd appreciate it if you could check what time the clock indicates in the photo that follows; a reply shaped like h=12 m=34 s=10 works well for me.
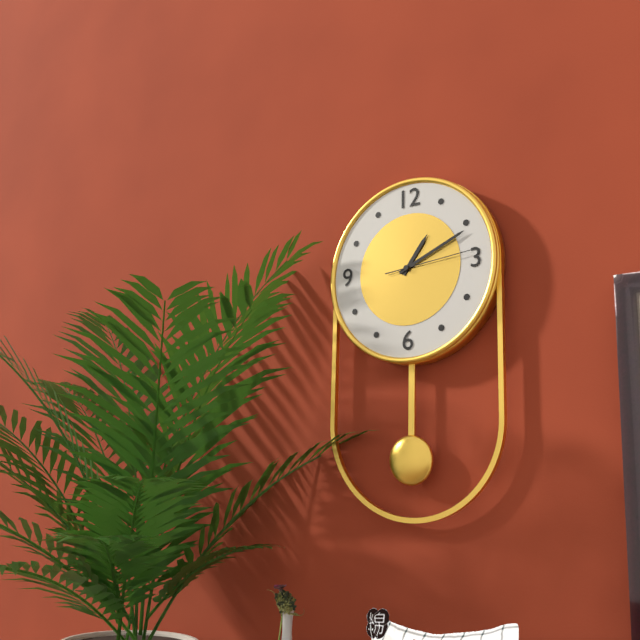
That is h=1 m=11 s=14
